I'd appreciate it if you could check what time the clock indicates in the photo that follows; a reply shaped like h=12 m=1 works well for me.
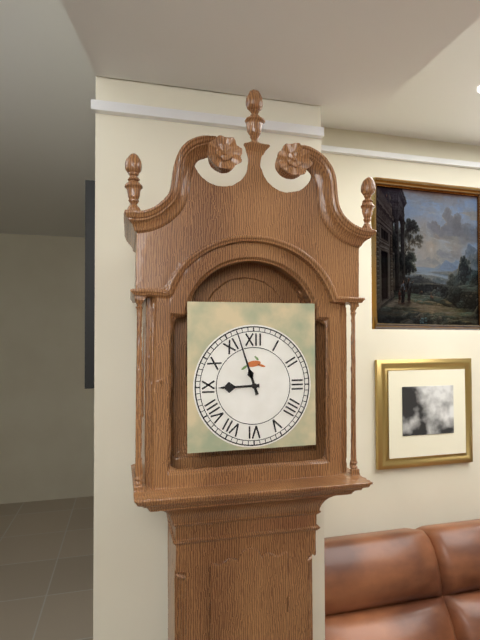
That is h=8 m=57
